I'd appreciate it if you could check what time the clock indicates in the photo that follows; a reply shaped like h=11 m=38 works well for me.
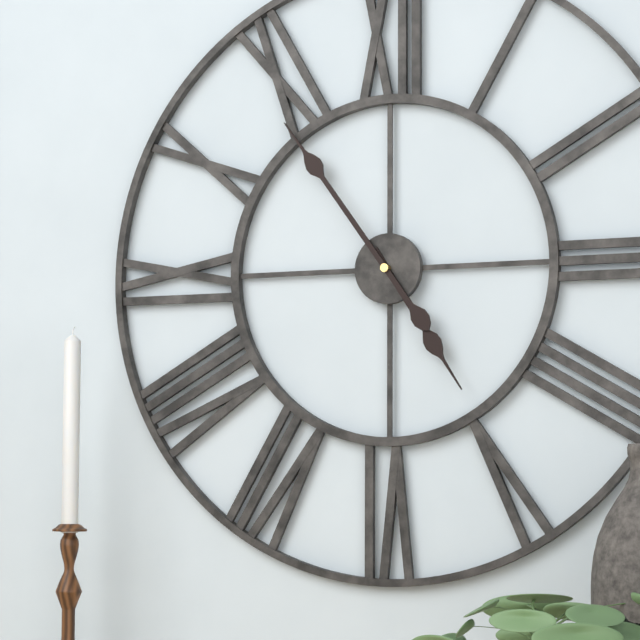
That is h=4 m=54
